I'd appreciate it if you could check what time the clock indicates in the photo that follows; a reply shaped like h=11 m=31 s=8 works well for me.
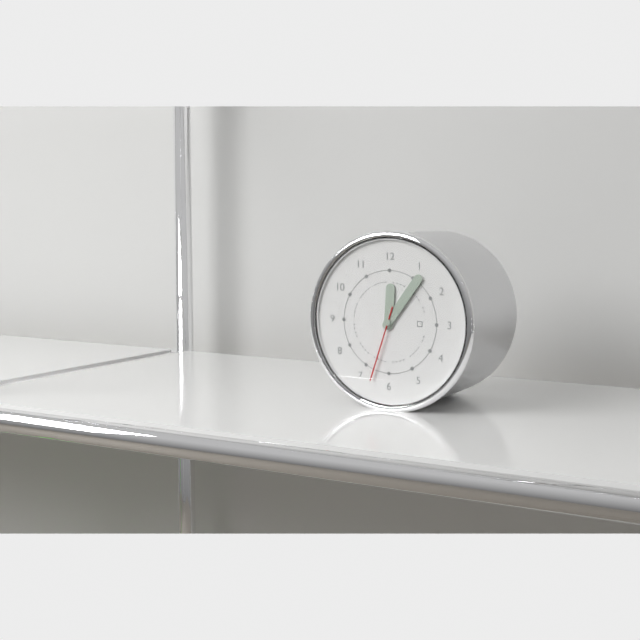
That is h=12 m=6 s=33
